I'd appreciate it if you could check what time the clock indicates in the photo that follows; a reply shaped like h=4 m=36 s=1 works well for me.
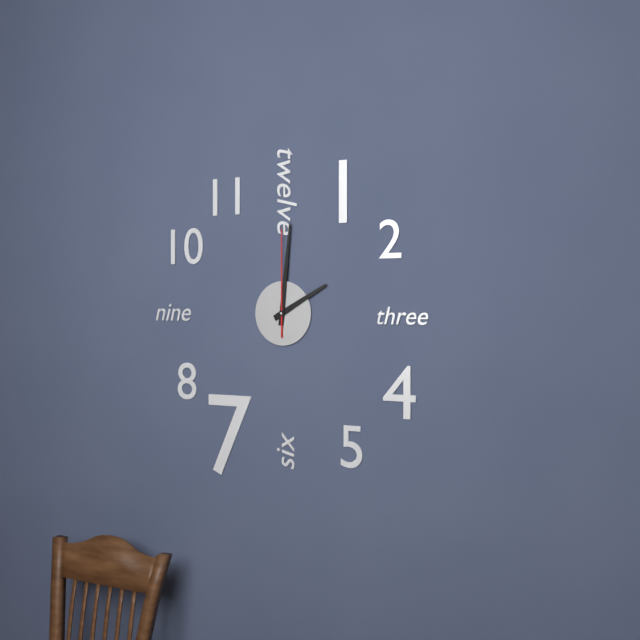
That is h=2 m=1 s=0
